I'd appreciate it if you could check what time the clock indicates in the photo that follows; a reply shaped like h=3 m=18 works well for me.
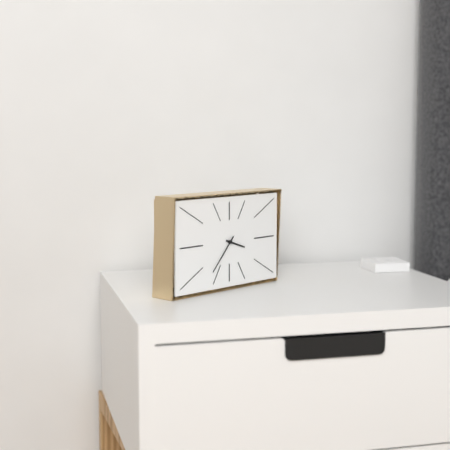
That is h=3 m=37
